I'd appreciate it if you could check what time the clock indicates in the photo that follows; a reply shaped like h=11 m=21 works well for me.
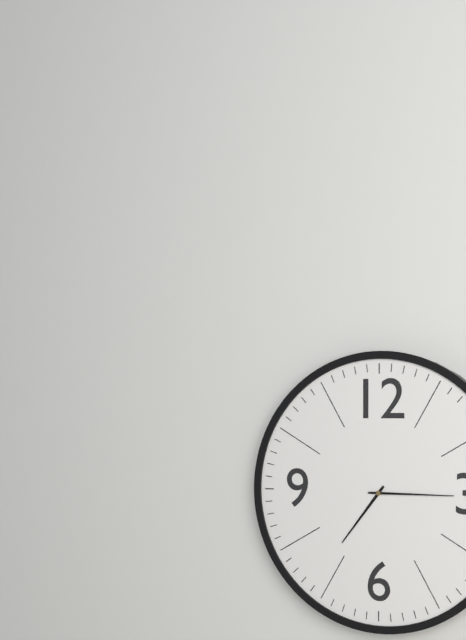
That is h=7 m=15
